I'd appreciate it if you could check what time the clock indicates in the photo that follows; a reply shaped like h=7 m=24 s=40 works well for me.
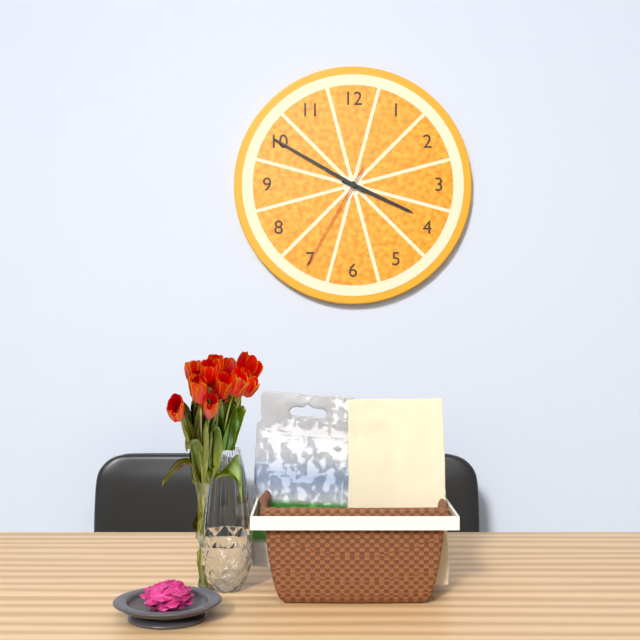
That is h=3 m=50 s=35
